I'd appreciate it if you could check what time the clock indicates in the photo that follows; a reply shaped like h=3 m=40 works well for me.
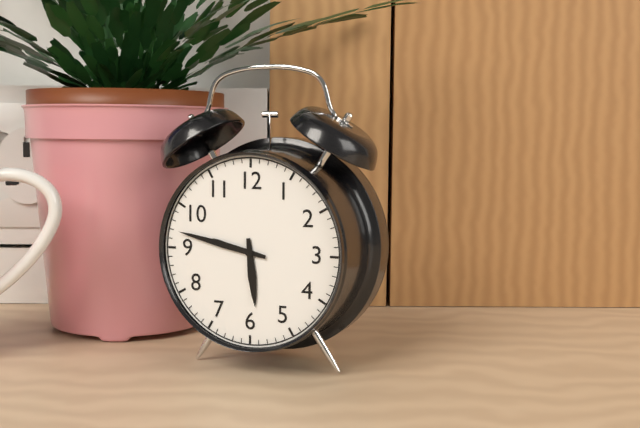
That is h=5 m=47
